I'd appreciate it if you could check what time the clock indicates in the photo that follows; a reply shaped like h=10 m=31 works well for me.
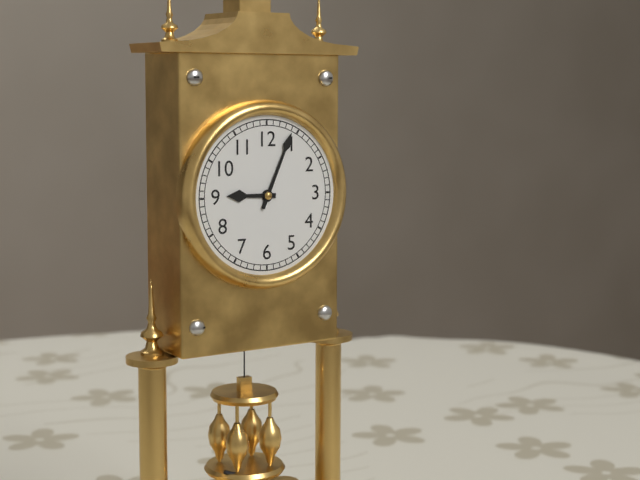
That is h=9 m=4
